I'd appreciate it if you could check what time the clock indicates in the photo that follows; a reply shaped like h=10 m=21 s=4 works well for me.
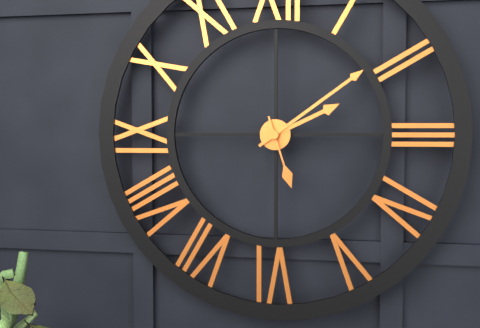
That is h=2 m=9 s=27
